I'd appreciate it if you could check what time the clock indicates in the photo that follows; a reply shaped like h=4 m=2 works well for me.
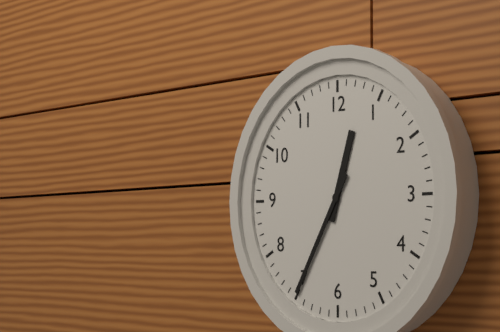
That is h=12 m=35
